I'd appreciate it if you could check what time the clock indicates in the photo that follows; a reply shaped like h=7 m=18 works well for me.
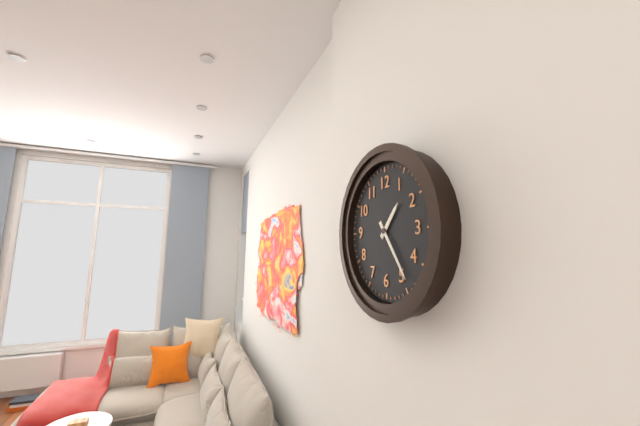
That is h=1 m=24
